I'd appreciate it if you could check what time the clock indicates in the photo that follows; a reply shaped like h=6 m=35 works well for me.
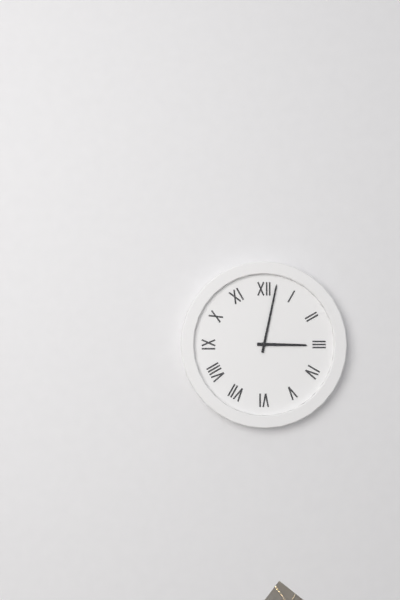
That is h=3 m=2
